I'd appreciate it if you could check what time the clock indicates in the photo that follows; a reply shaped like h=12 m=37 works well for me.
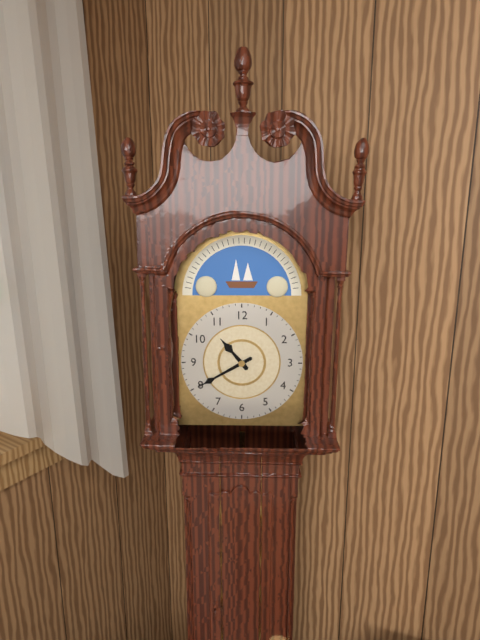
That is h=10 m=40
